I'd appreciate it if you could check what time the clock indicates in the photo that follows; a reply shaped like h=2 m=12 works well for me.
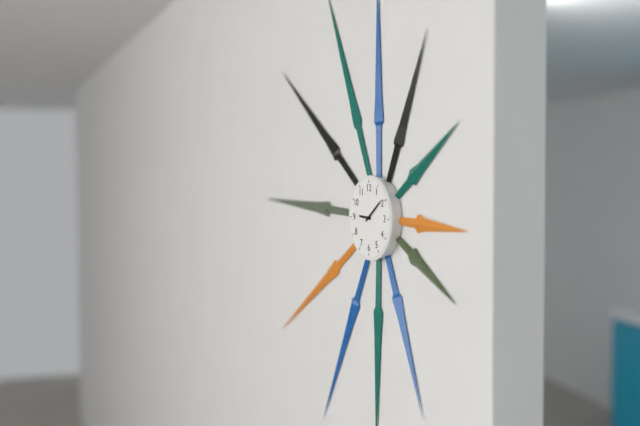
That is h=9 m=9
